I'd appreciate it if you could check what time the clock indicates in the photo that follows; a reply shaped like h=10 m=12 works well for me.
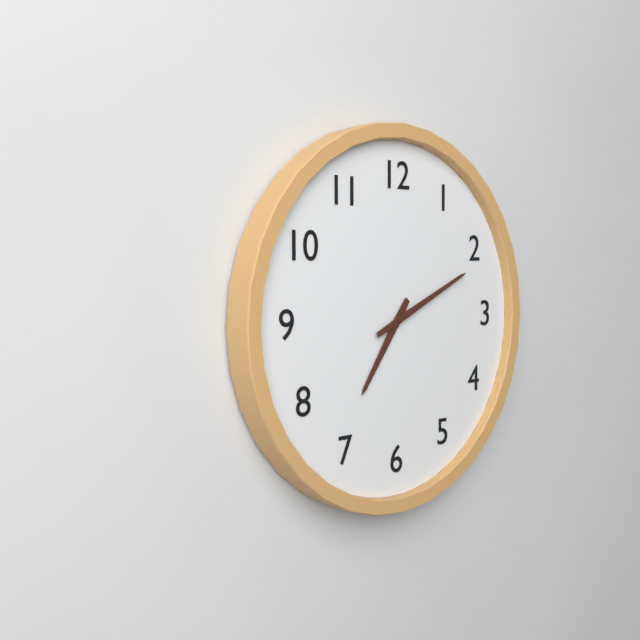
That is h=7 m=11
